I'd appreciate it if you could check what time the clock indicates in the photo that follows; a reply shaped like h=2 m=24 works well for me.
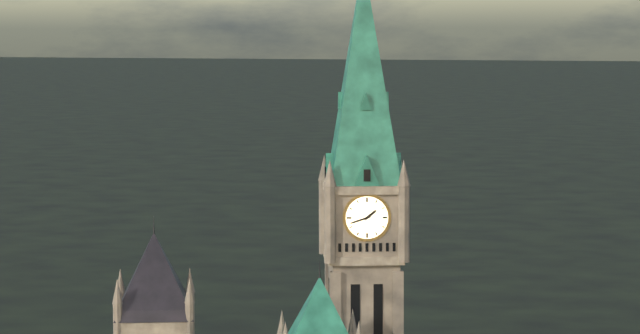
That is h=1 m=42
